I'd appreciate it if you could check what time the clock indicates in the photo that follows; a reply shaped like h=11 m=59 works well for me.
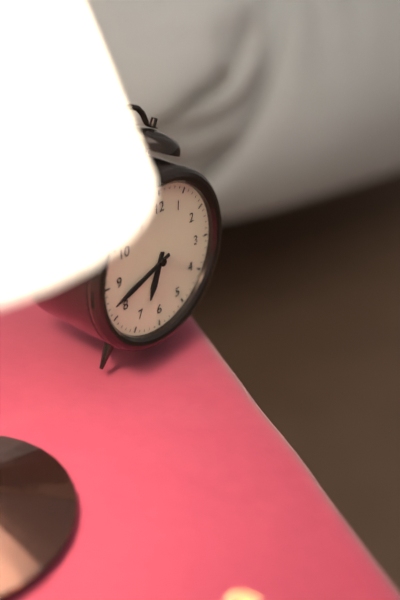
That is h=6 m=42
